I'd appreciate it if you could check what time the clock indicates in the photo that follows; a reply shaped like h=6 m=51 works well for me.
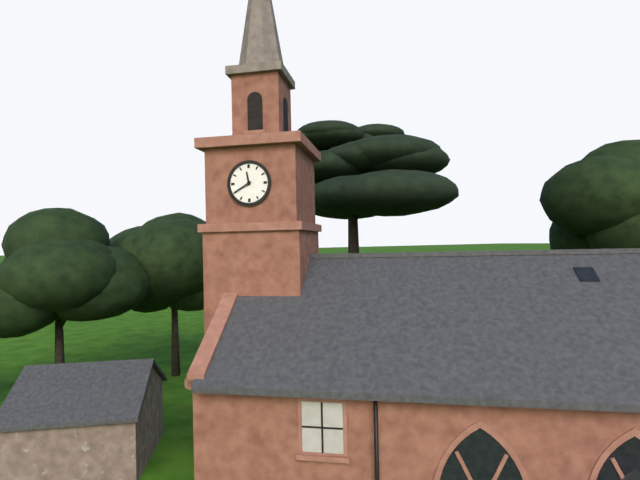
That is h=11 m=40
